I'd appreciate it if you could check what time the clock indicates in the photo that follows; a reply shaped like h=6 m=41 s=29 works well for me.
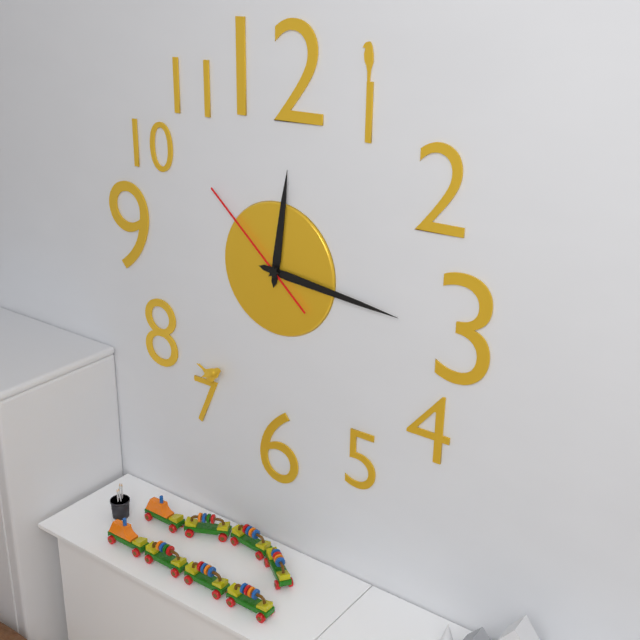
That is h=12 m=16 s=52
